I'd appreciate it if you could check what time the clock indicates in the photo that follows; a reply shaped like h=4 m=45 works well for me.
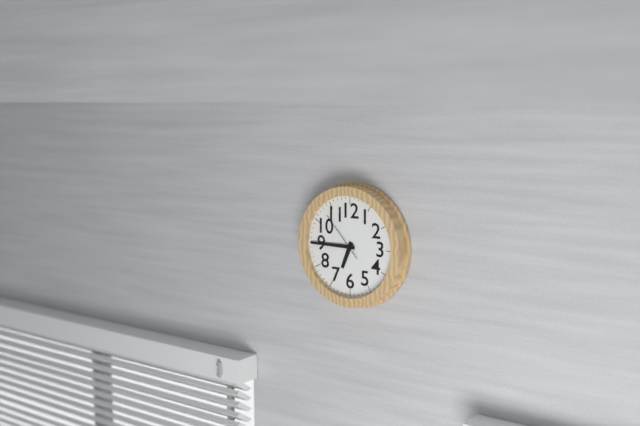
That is h=6 m=45
